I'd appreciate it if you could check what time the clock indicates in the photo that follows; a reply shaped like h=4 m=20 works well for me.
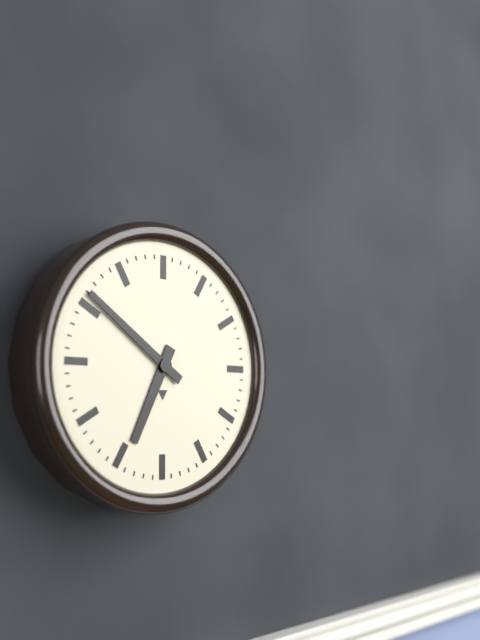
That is h=6 m=51
